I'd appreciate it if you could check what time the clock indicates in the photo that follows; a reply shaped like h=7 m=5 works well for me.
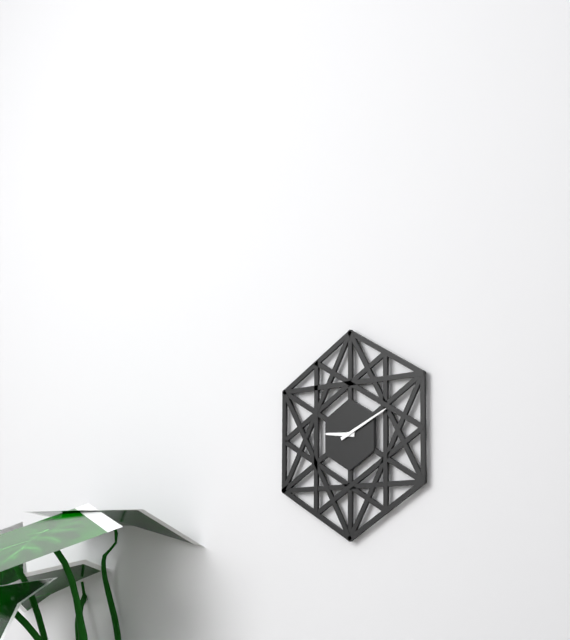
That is h=9 m=11
